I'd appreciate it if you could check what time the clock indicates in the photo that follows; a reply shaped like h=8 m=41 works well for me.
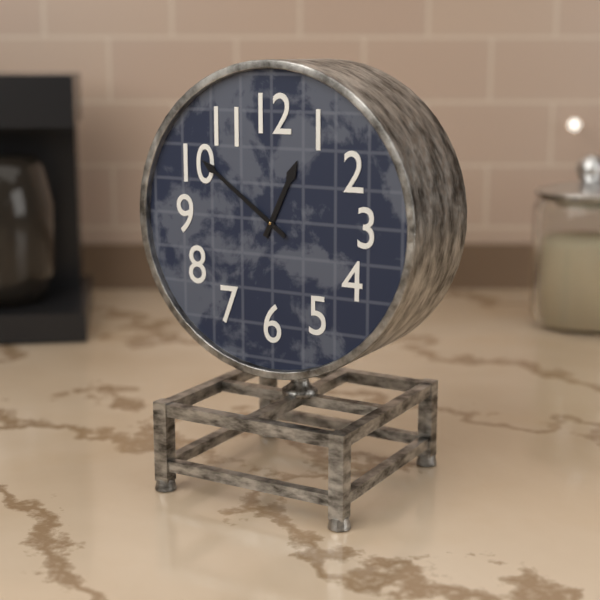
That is h=12 m=51
